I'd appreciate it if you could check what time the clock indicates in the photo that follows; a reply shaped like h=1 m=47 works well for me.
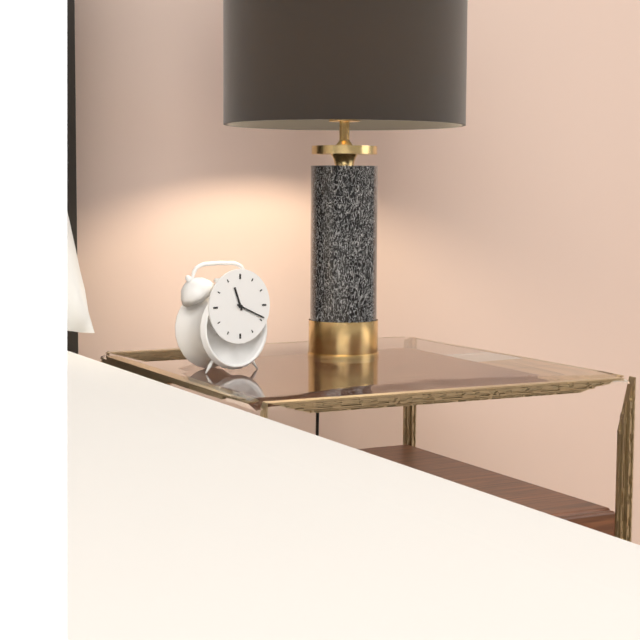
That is h=11 m=19
